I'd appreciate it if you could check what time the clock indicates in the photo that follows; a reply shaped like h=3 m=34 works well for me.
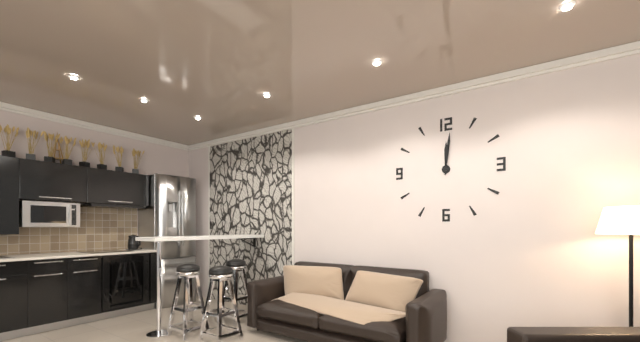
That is h=12 m=1
